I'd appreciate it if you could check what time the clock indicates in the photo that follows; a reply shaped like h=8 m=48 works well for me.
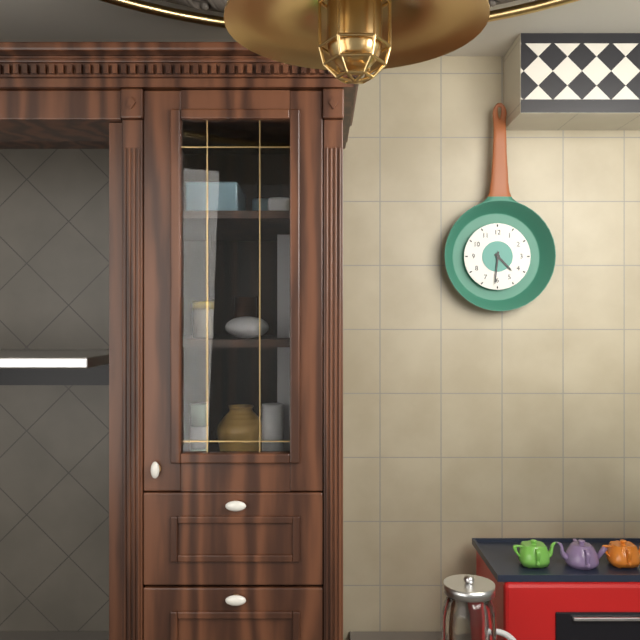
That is h=4 m=31
